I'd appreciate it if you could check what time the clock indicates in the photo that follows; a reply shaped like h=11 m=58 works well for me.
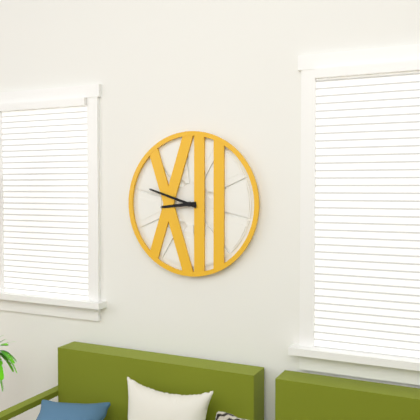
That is h=8 m=48
